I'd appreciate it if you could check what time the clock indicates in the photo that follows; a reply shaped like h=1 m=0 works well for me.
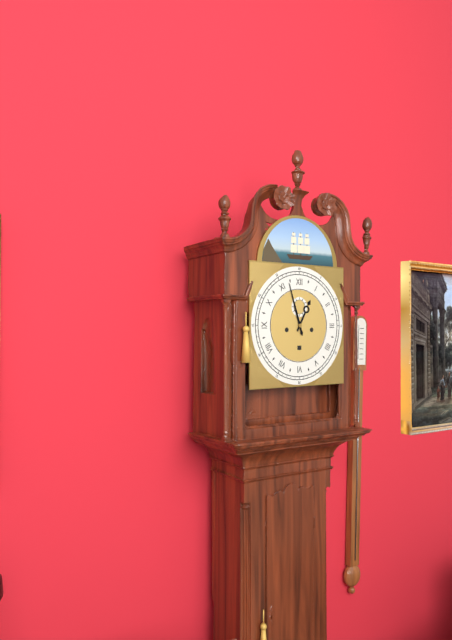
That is h=12 m=57
